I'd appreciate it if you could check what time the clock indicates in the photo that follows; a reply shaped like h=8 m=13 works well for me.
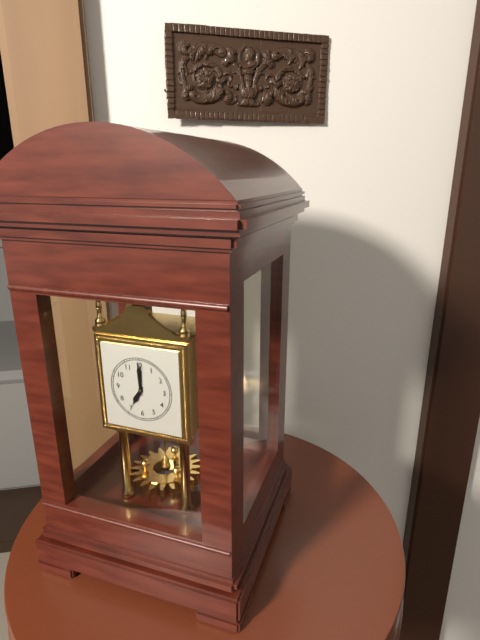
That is h=7 m=0
